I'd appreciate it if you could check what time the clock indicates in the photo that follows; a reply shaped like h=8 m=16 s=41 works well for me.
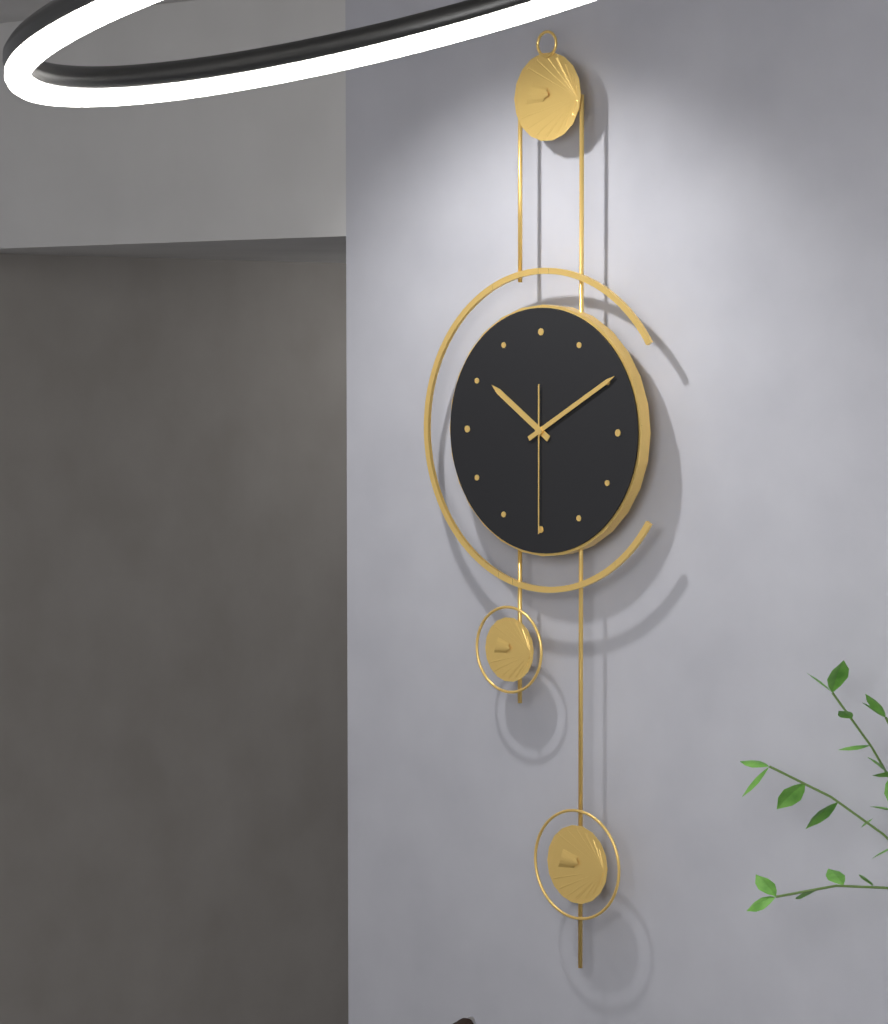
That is h=10 m=10 s=30
